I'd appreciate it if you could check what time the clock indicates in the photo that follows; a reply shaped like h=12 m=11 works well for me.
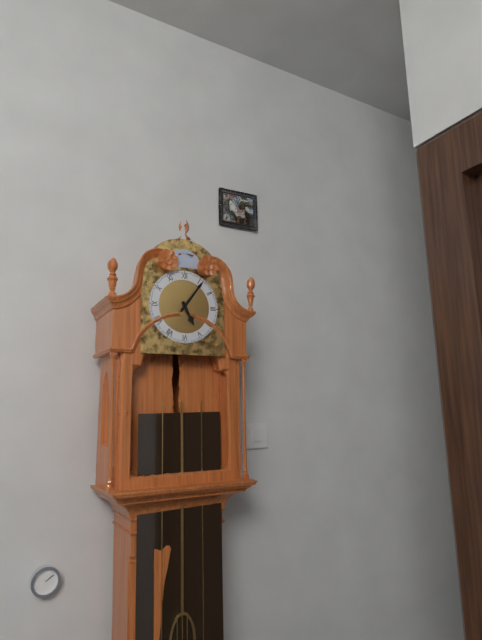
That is h=5 m=6
